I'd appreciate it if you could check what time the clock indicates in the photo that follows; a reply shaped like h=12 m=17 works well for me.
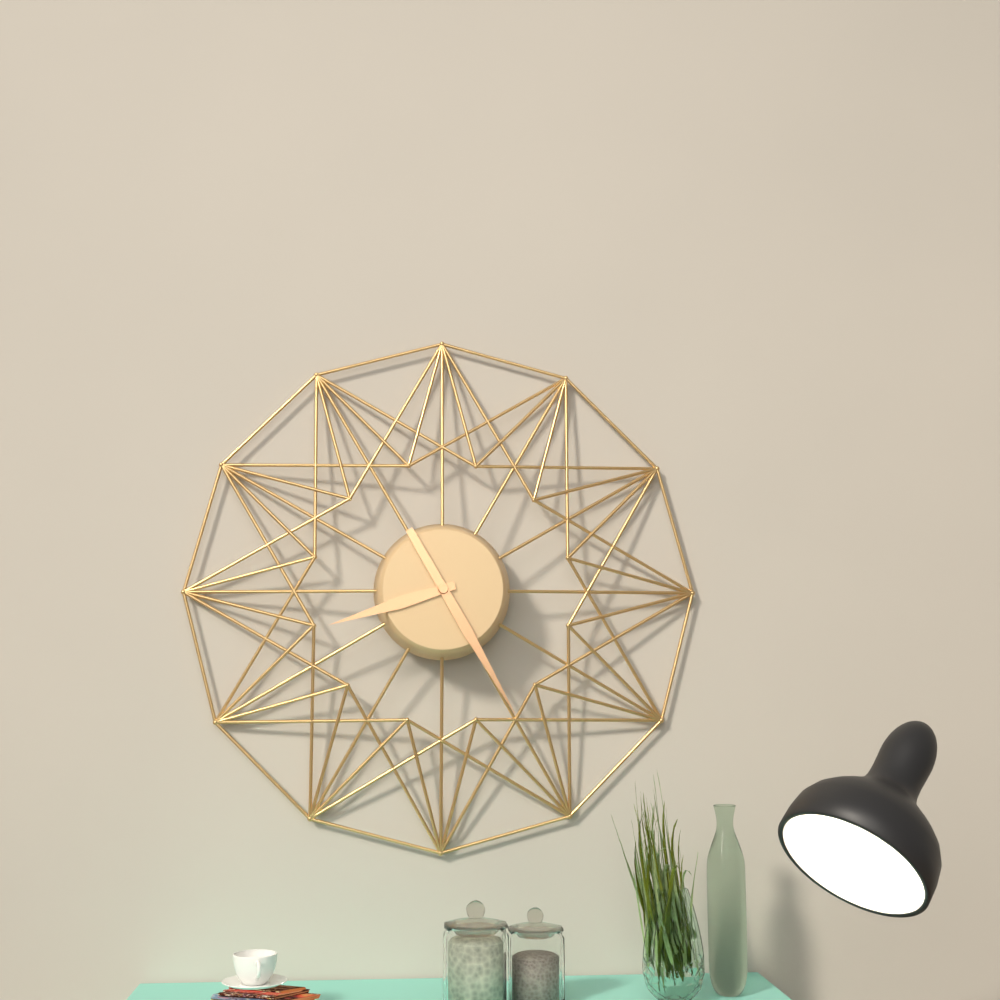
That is h=8 m=25
